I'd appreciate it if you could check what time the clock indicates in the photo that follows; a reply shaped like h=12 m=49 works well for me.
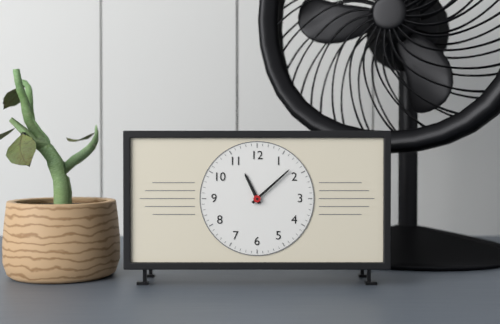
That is h=11 m=8
